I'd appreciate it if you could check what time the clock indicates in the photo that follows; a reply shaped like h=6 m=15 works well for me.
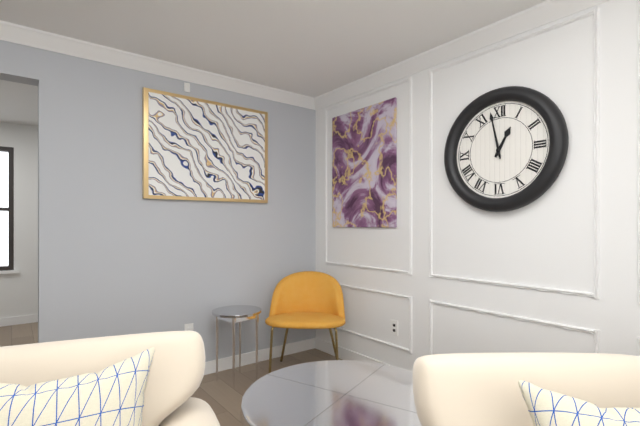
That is h=12 m=58
